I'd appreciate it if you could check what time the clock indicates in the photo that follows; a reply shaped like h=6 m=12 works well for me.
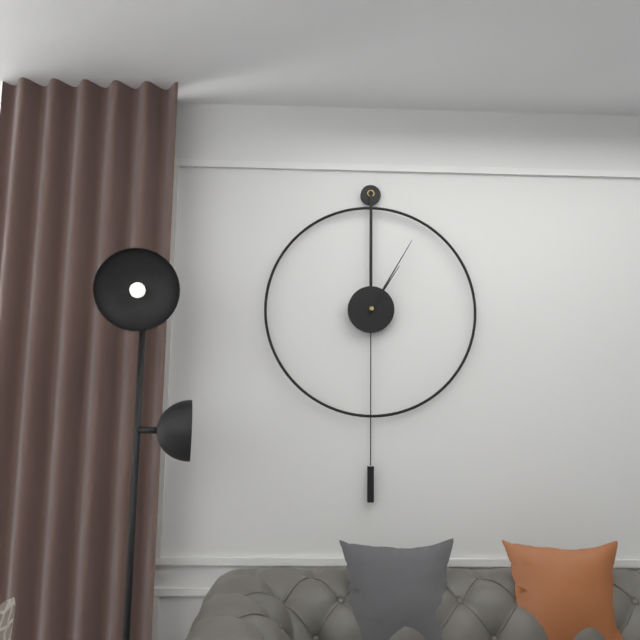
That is h=1 m=5
